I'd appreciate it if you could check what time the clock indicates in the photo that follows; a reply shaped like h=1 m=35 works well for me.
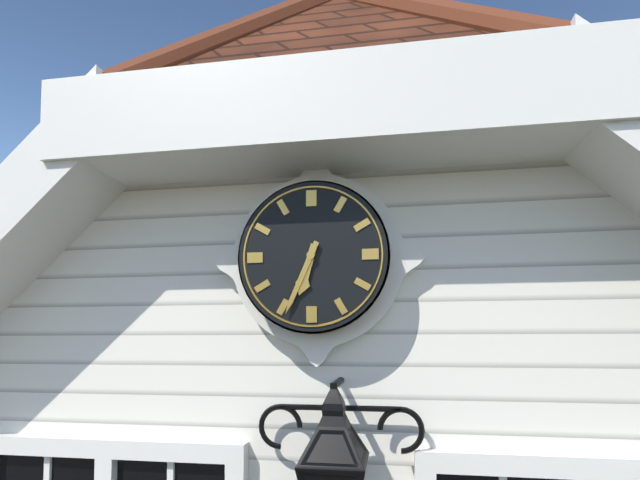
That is h=6 m=34
